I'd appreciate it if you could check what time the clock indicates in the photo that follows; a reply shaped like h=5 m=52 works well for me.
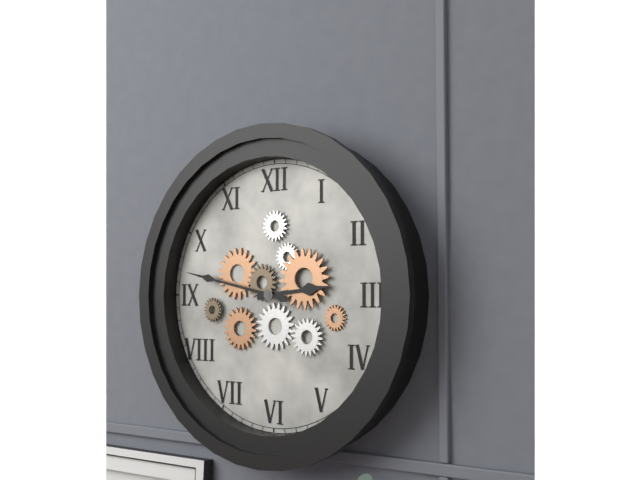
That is h=2 m=47
